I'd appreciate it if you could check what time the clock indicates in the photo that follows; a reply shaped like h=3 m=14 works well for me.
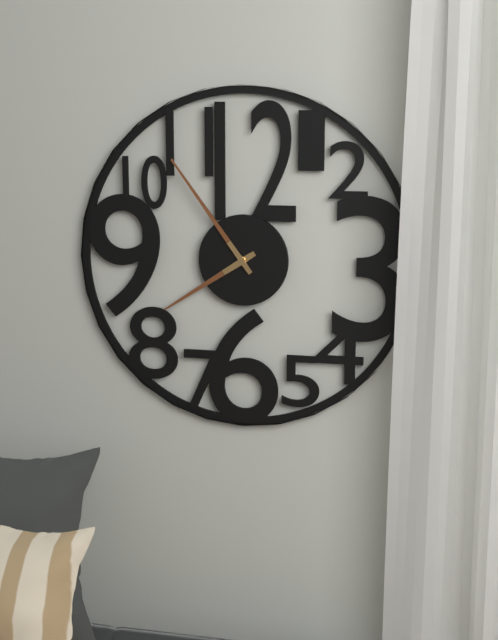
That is h=7 m=54
